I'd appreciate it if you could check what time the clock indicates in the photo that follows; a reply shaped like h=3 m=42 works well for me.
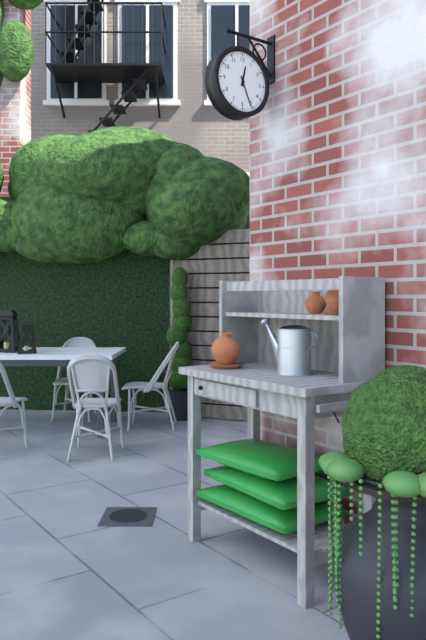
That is h=12 m=26
